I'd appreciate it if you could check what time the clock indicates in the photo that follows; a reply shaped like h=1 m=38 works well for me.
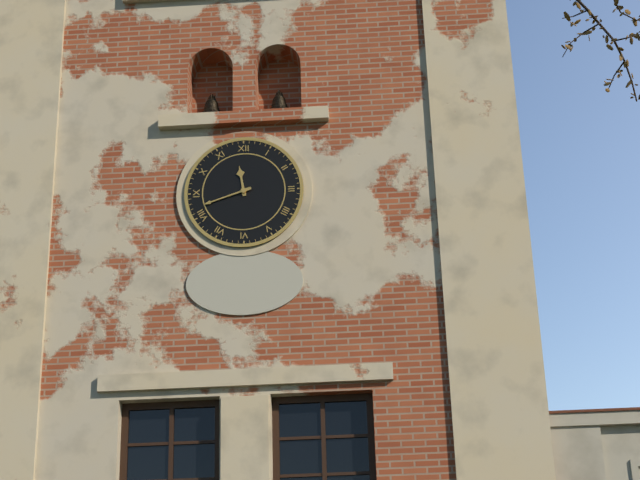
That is h=11 m=42
